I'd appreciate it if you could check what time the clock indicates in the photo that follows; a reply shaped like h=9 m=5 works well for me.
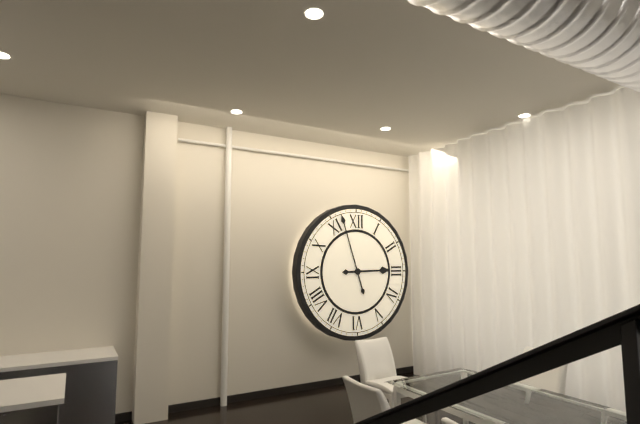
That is h=2 m=57
